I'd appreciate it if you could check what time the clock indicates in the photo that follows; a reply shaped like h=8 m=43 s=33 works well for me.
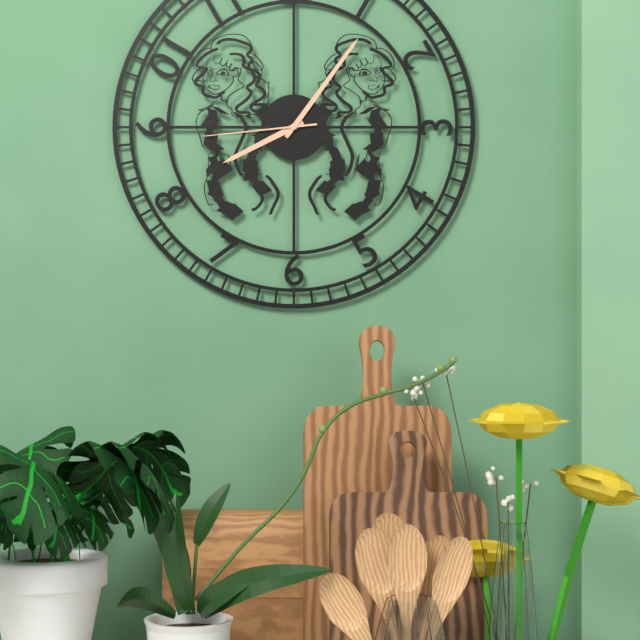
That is h=8 m=6 s=44
